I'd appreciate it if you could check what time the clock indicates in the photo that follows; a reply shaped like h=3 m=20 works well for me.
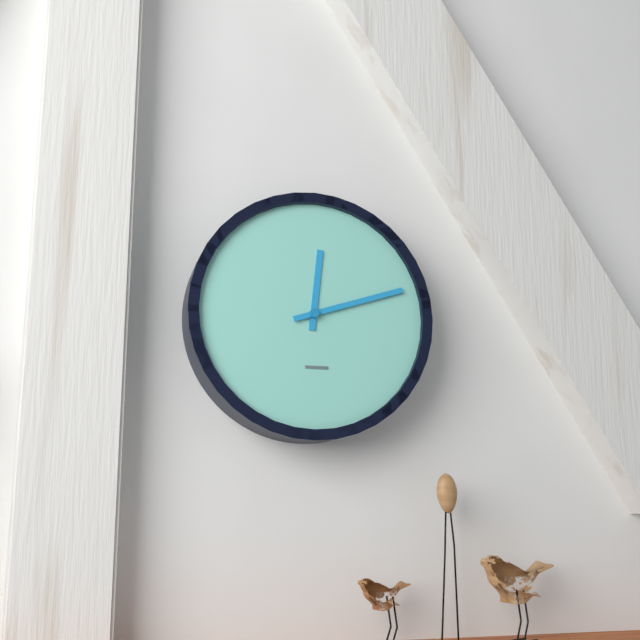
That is h=12 m=12
